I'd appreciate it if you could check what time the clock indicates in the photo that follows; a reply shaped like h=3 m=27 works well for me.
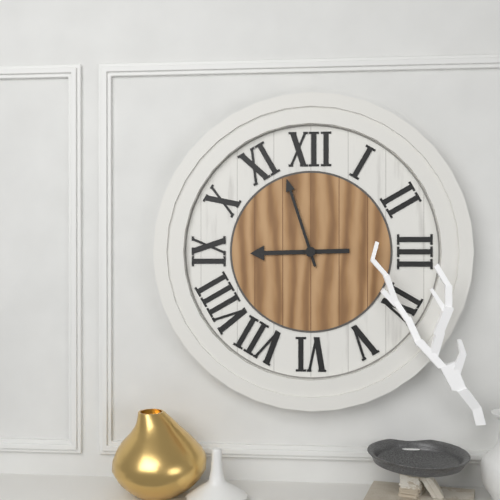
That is h=8 m=57
